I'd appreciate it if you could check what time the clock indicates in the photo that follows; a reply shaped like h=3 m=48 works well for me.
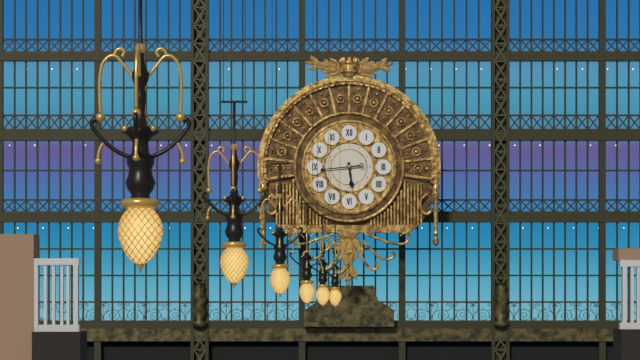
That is h=5 m=44
